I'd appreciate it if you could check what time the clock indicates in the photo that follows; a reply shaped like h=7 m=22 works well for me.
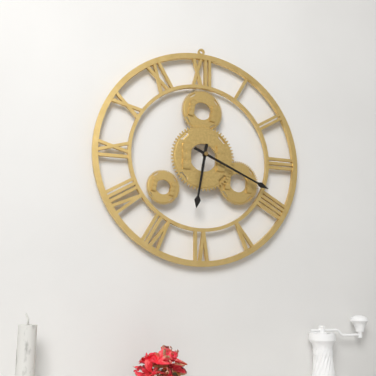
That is h=6 m=19
